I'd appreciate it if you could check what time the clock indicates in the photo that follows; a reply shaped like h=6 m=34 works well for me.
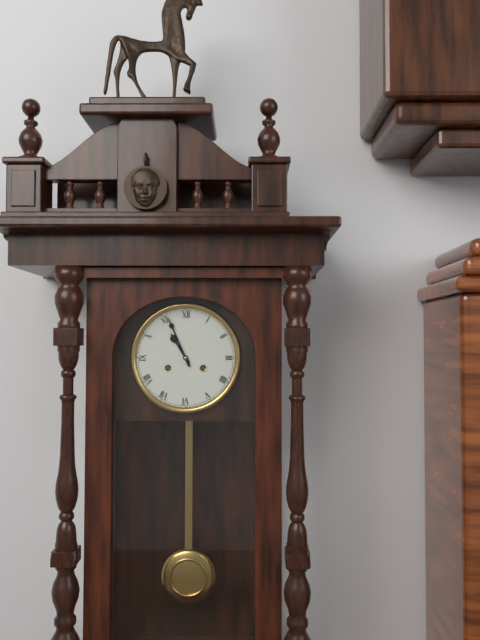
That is h=10 m=56
